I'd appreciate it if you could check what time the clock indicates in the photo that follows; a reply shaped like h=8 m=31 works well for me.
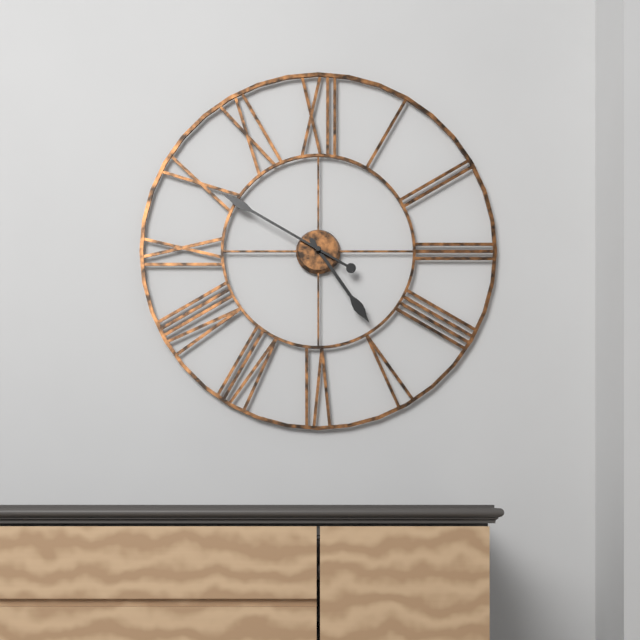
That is h=4 m=50
